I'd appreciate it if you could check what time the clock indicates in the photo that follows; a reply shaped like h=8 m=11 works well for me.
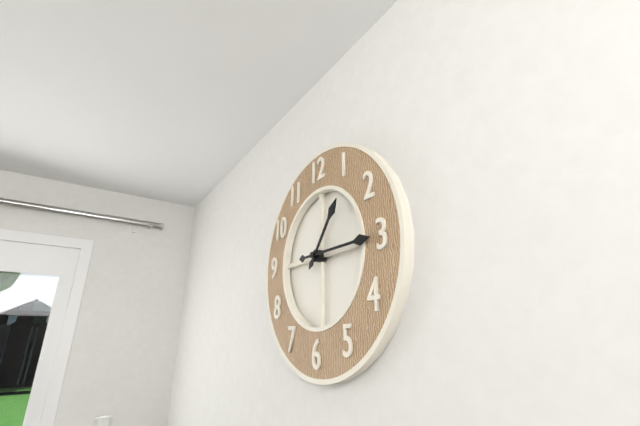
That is h=1 m=15
